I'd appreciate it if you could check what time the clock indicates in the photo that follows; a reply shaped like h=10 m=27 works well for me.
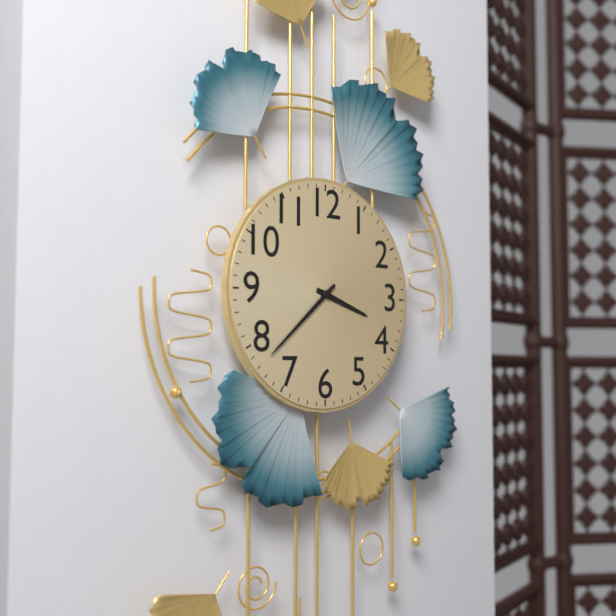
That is h=3 m=38
